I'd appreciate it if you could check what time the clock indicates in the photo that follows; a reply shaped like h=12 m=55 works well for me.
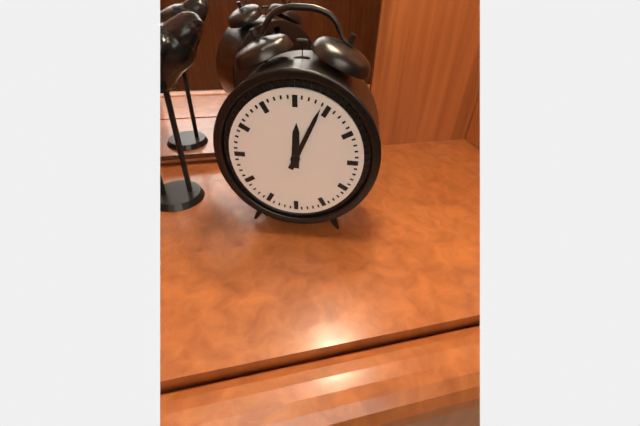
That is h=12 m=4
